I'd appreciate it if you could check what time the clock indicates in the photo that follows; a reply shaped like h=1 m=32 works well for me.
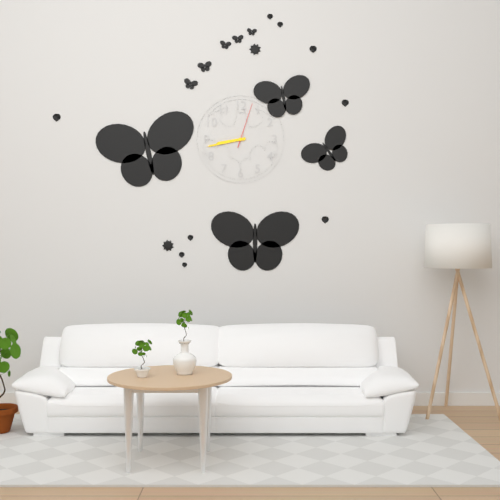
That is h=8 m=43
